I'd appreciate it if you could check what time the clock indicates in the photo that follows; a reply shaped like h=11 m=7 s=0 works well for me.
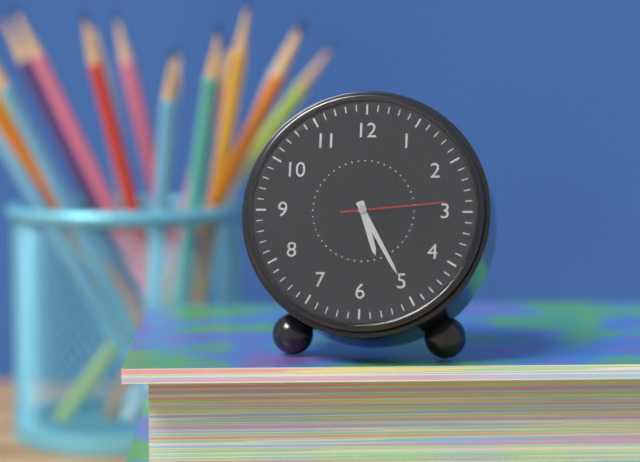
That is h=5 m=25 s=14
